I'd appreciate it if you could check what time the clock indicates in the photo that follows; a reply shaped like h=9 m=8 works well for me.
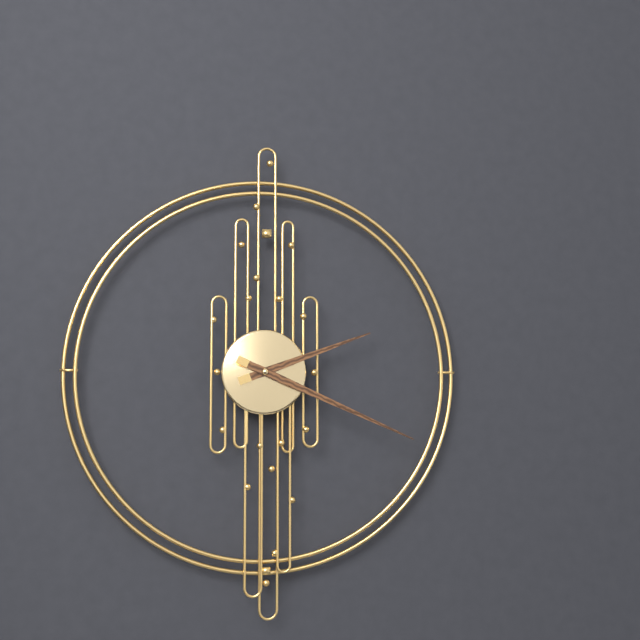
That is h=2 m=19
